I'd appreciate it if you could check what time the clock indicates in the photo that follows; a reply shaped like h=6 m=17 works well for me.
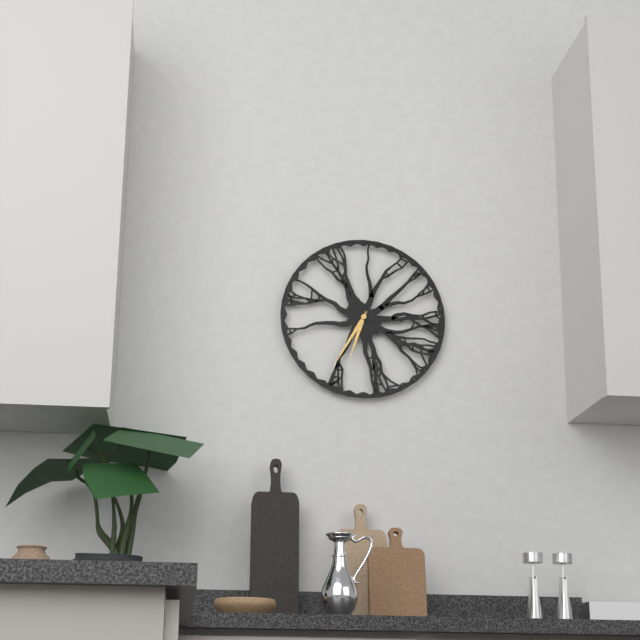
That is h=6 m=35
